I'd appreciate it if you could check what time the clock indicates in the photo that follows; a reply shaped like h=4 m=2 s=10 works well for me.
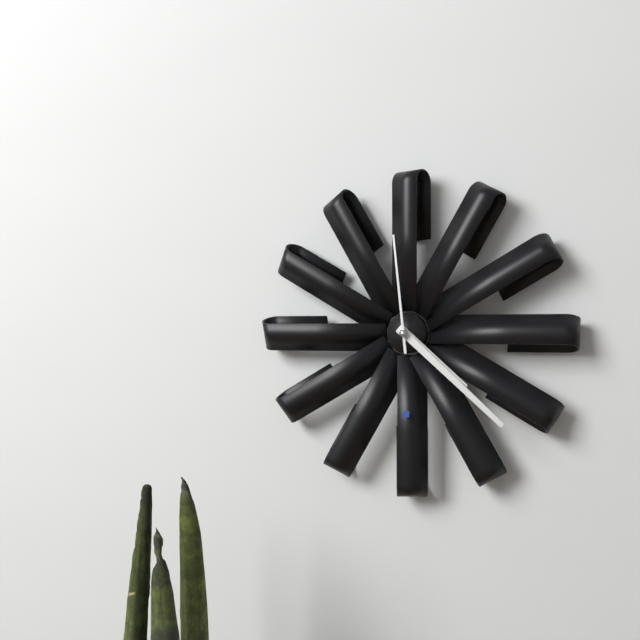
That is h=4 m=22 s=59
